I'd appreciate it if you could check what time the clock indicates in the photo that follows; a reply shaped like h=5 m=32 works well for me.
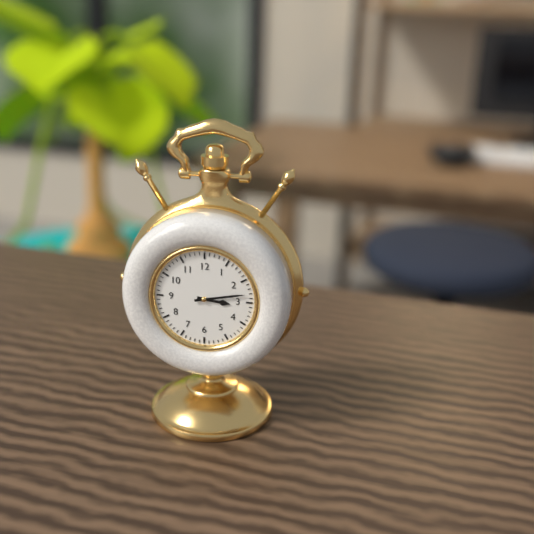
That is h=3 m=13
